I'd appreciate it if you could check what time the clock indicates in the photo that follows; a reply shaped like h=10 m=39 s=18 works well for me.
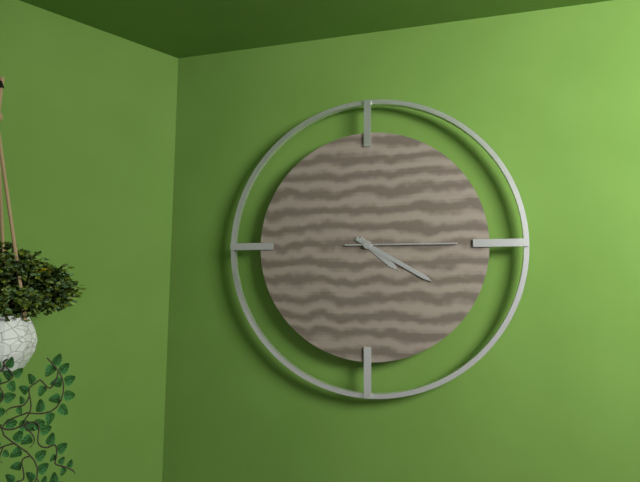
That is h=4 m=20 s=15
